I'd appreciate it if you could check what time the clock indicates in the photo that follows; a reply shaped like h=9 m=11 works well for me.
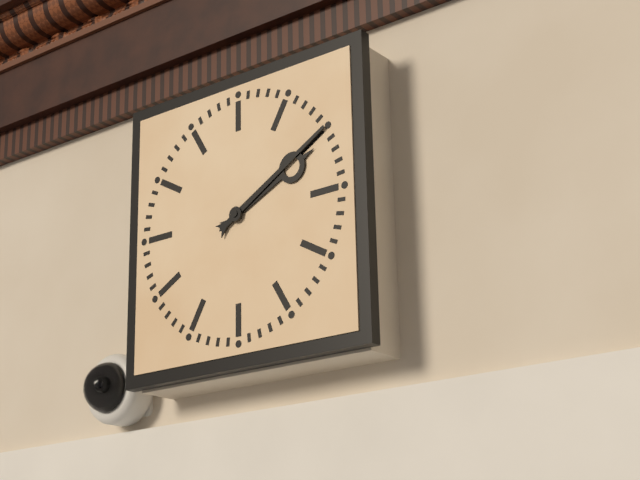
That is h=2 m=10
